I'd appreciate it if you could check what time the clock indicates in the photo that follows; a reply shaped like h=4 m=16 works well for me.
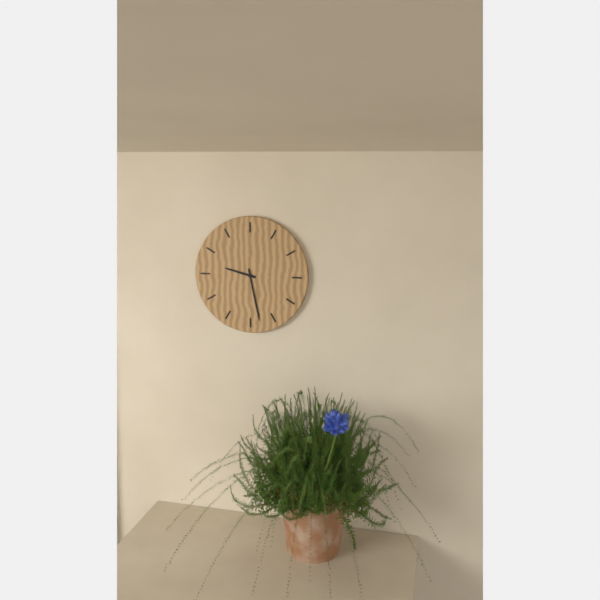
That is h=9 m=28
